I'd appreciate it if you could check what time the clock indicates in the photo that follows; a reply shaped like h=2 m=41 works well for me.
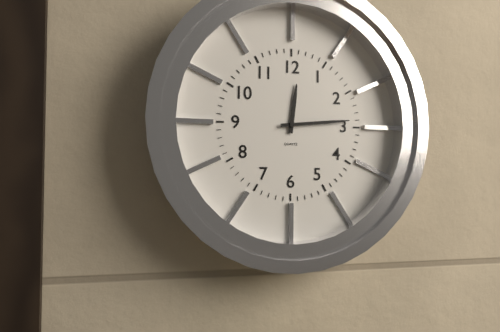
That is h=12 m=14
